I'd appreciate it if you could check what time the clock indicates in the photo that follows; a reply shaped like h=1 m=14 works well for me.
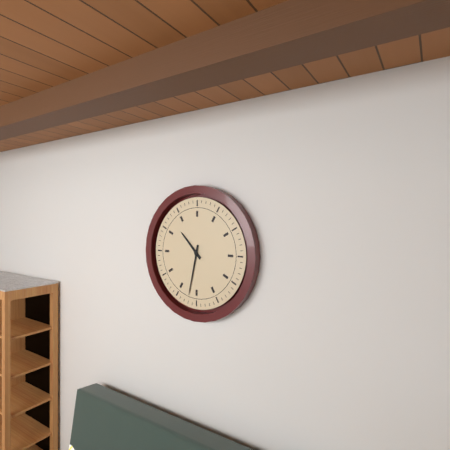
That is h=10 m=32
